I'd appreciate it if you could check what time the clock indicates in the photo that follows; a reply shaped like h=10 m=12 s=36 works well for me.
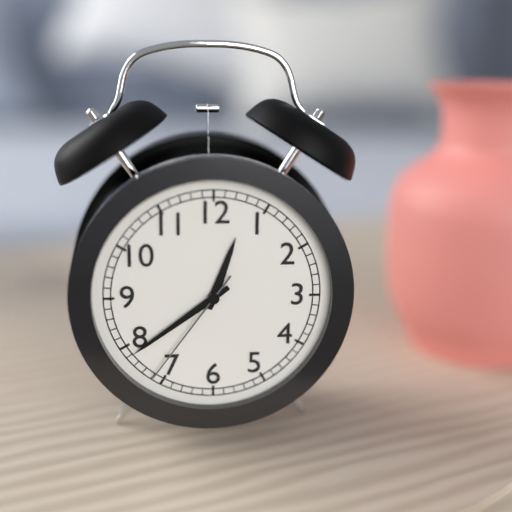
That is h=12 m=39 s=36
